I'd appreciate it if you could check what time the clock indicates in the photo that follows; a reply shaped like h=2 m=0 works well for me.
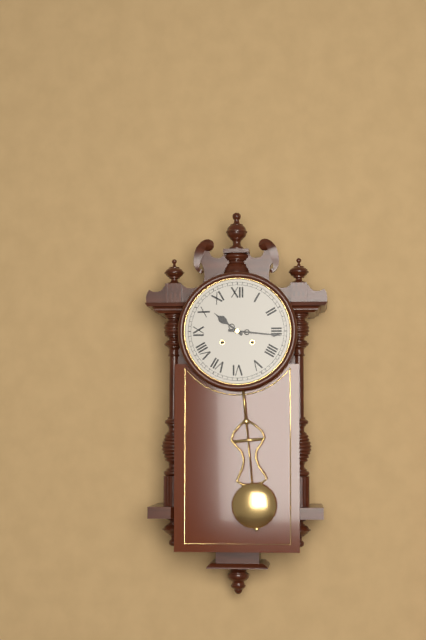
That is h=10 m=16
